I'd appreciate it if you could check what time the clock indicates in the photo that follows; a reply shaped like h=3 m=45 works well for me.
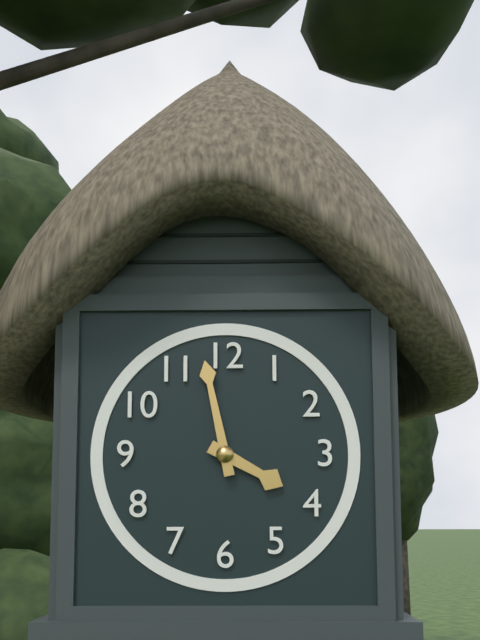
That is h=3 m=58
